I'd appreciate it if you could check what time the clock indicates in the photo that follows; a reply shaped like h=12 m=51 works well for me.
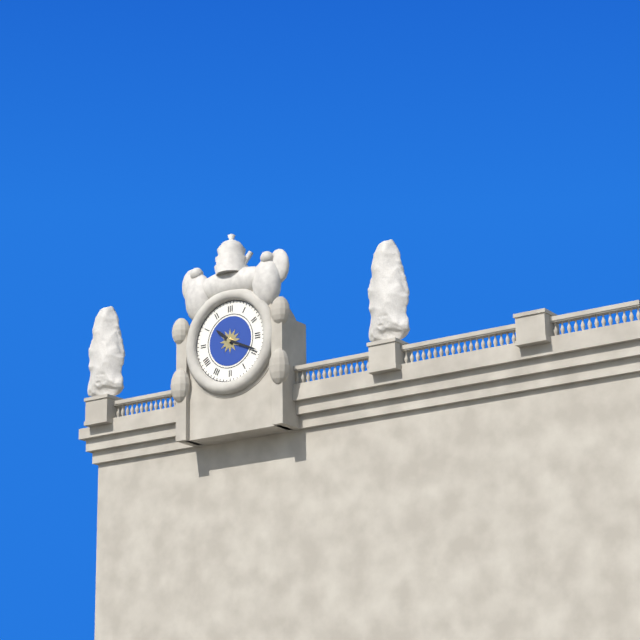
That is h=10 m=19
